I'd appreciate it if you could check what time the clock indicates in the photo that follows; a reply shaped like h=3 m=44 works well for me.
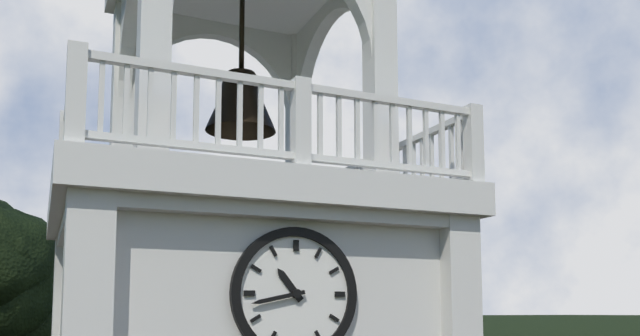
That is h=10 m=43
